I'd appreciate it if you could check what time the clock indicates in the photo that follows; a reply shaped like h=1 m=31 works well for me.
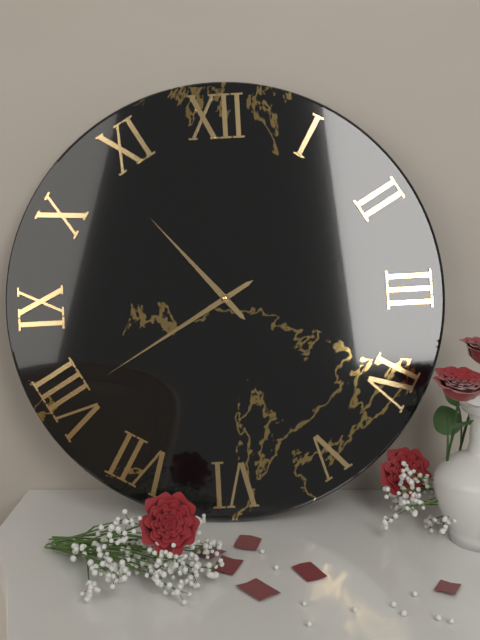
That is h=10 m=40
